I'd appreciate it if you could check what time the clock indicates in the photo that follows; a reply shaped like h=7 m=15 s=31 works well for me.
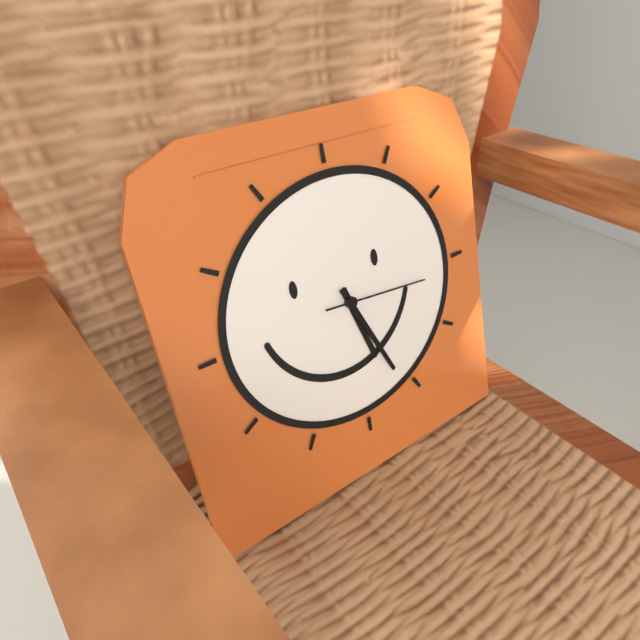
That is h=5 m=26 s=16
